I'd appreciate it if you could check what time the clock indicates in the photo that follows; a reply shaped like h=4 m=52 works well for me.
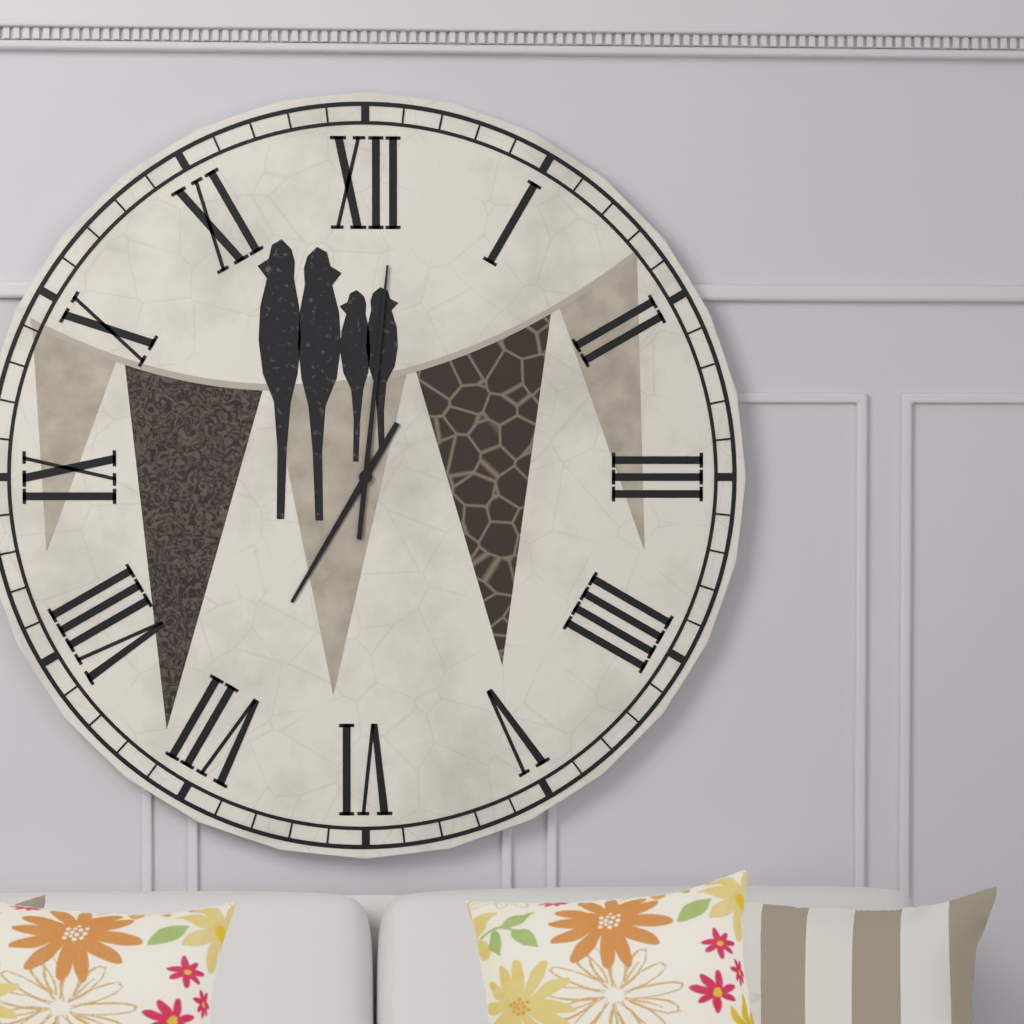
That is h=7 m=1
